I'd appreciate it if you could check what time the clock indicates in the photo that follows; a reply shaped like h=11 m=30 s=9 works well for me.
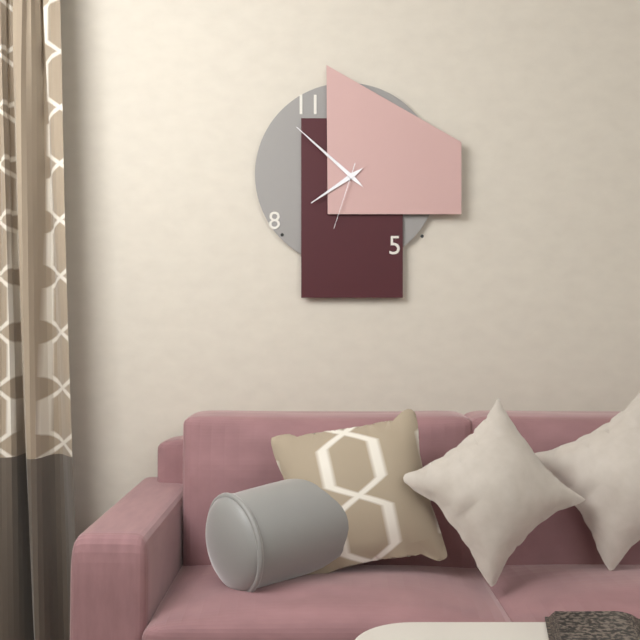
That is h=7 m=52 s=33
